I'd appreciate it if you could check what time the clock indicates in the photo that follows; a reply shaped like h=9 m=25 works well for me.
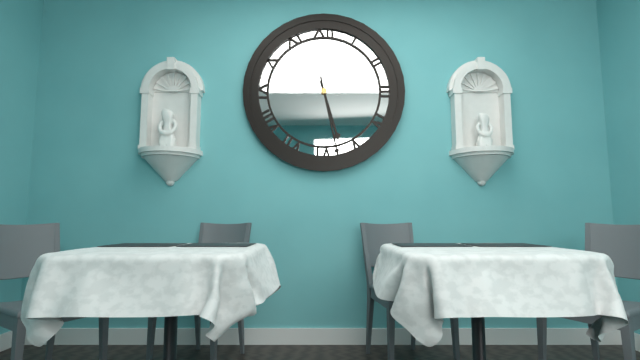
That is h=5 m=28
